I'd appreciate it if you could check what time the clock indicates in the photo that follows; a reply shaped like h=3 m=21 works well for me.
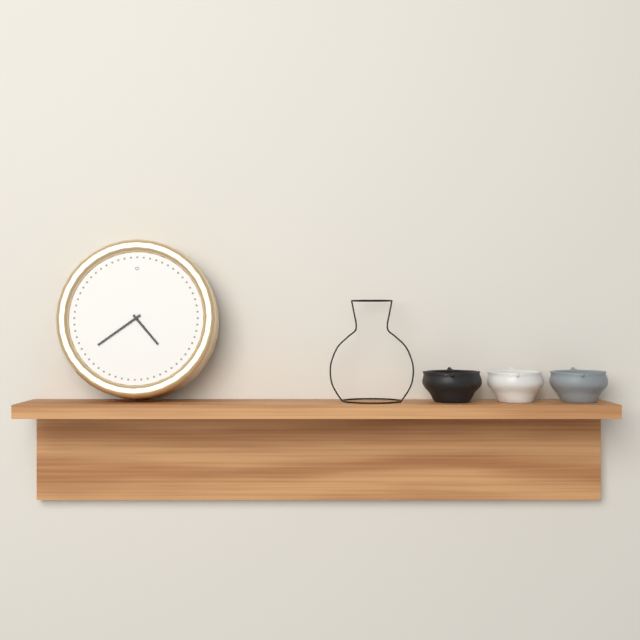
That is h=4 m=39
